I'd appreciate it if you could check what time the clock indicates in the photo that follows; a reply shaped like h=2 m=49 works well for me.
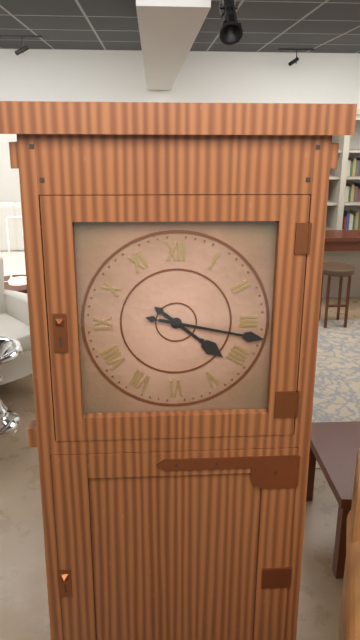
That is h=4 m=17
